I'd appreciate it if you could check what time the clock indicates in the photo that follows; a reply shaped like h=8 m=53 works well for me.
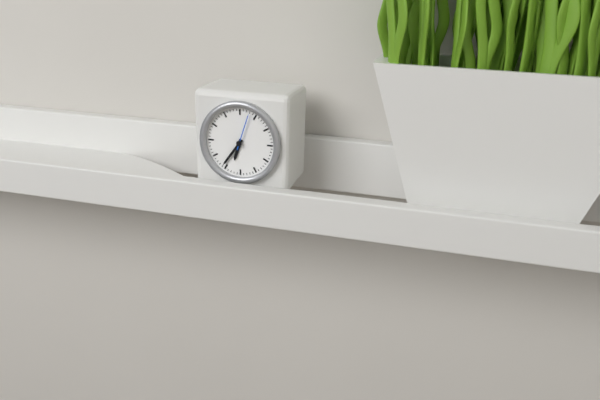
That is h=6 m=36
